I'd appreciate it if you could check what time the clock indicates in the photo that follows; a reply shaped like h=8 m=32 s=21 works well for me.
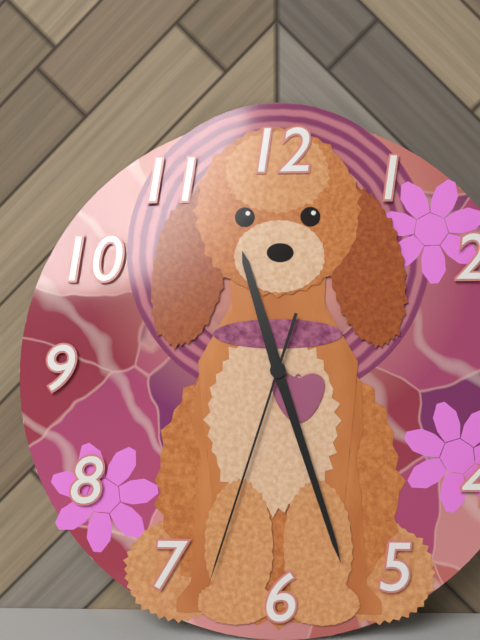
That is h=11 m=27 s=33
